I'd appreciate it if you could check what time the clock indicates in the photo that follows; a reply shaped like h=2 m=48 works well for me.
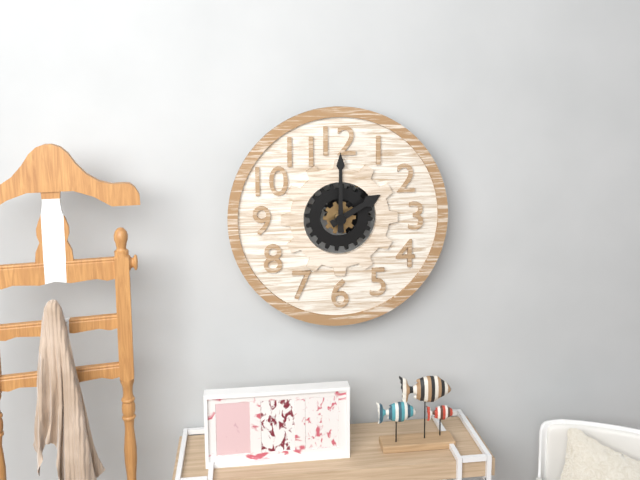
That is h=2 m=0
